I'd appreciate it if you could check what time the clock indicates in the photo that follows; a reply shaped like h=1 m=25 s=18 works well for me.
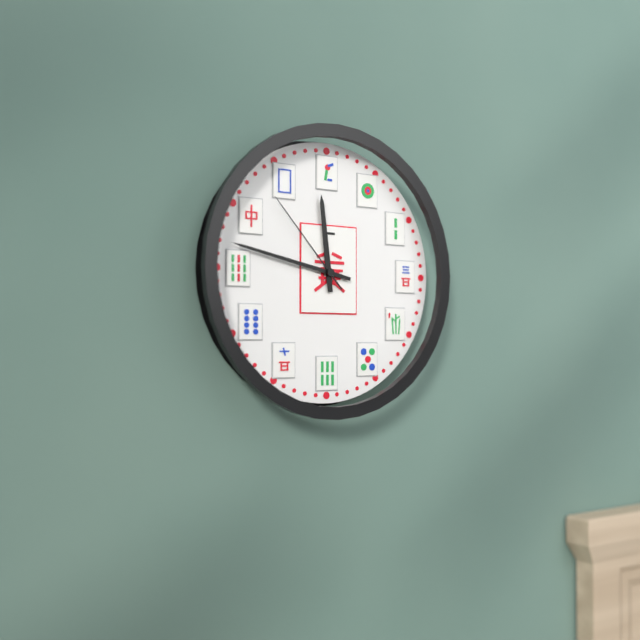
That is h=11 m=47 s=53
